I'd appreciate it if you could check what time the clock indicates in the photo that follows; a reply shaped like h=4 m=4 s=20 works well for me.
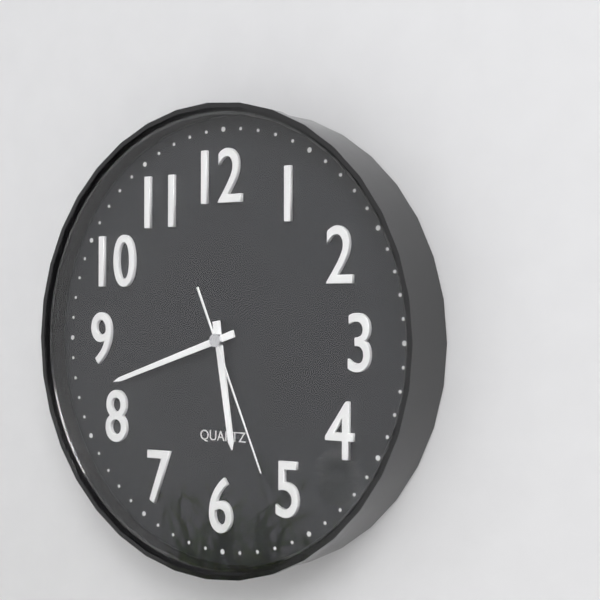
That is h=5 m=42 s=26
